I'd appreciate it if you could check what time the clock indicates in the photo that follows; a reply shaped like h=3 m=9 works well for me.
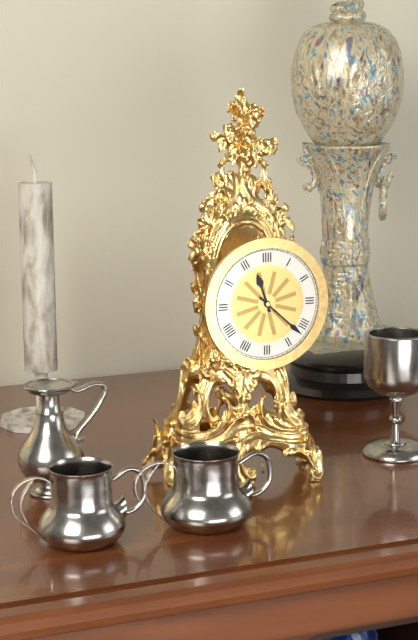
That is h=11 m=22
